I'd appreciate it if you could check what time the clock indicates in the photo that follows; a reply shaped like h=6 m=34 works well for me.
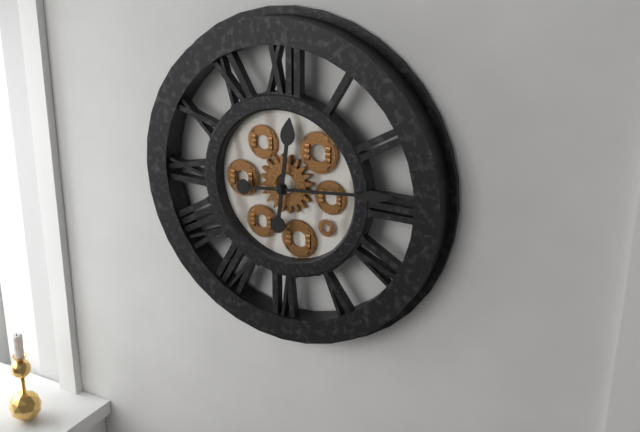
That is h=12 m=14
